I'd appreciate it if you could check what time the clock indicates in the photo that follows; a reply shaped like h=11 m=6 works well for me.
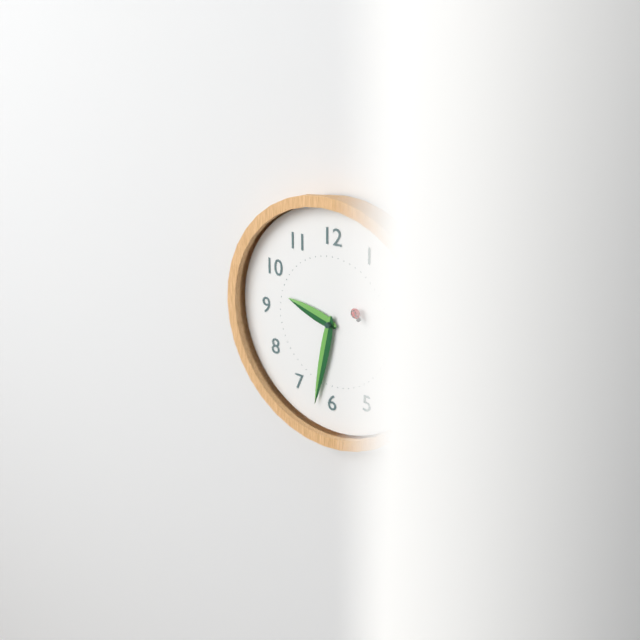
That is h=9 m=32
